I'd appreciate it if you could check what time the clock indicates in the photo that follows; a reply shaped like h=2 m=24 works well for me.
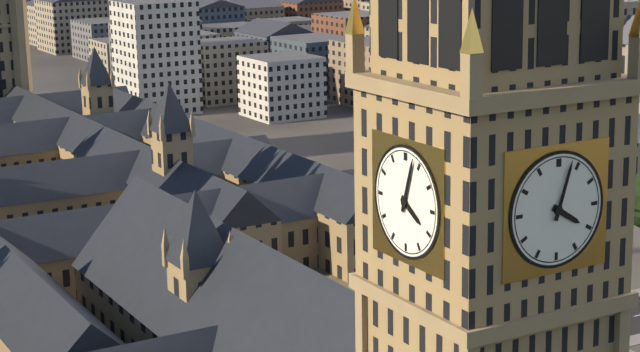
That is h=4 m=3
